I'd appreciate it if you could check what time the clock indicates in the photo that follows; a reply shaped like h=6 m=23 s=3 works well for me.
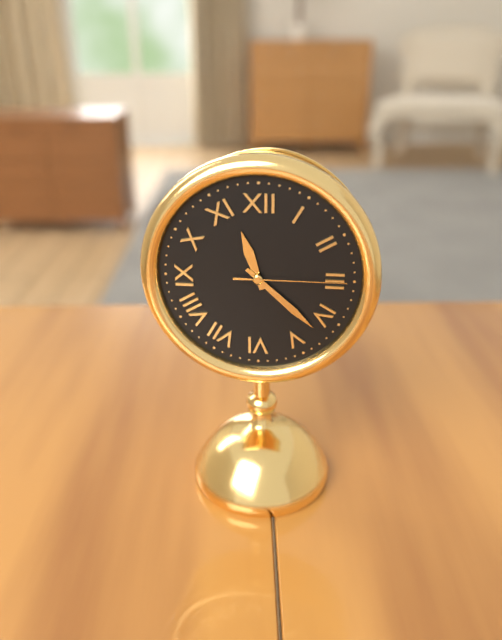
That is h=11 m=22 s=15
